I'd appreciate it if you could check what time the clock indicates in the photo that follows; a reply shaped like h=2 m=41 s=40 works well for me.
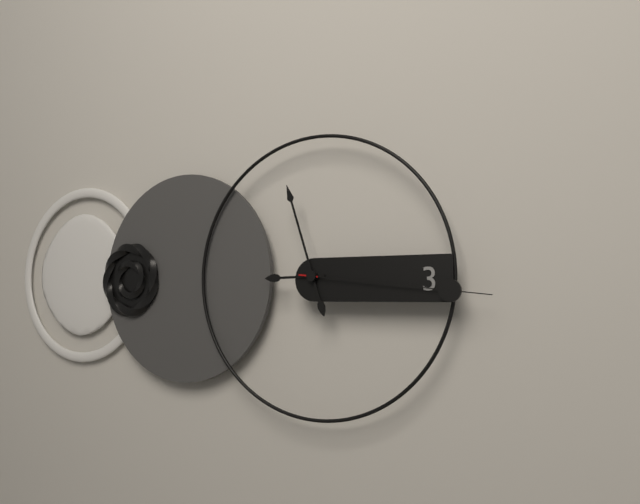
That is h=8 m=57 s=16
